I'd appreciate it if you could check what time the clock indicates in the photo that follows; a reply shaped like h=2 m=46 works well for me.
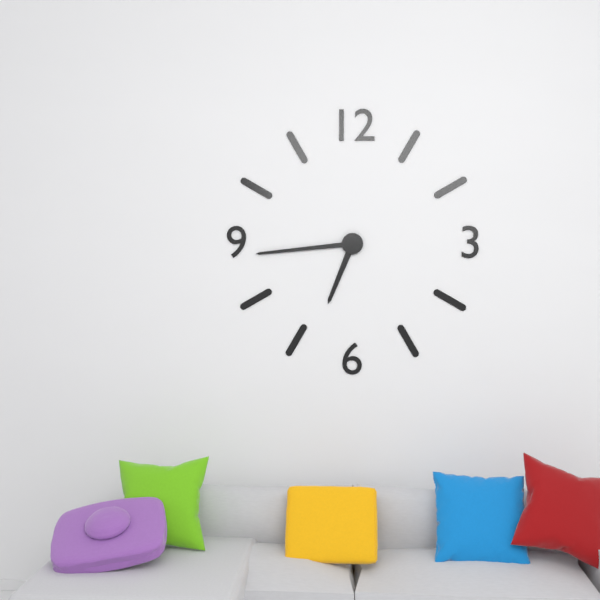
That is h=6 m=44
